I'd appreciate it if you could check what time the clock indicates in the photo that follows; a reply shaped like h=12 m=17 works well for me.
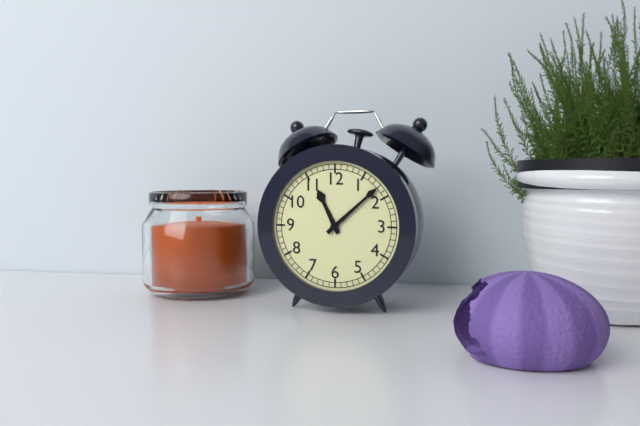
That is h=11 m=8
